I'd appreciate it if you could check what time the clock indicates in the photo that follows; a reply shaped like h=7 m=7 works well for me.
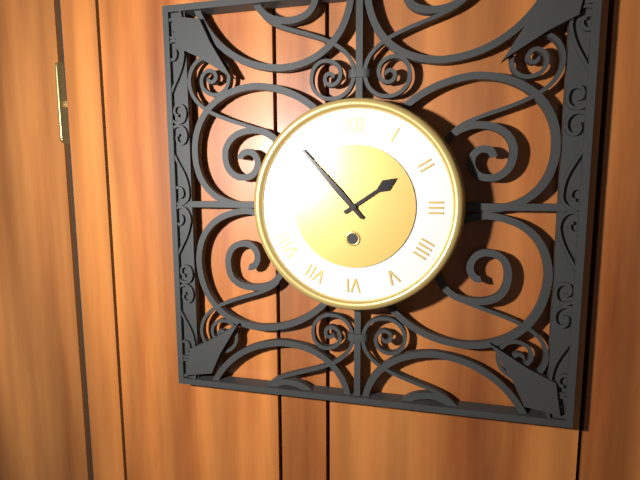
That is h=1 m=53
